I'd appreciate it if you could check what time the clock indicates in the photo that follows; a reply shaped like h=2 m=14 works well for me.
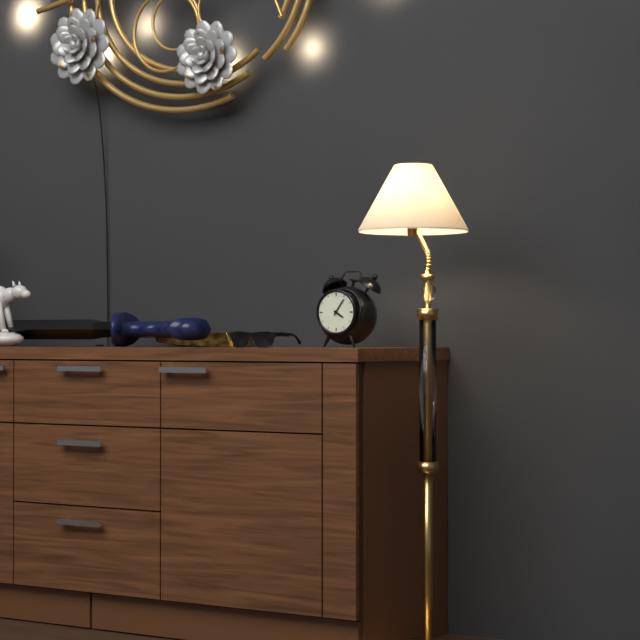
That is h=4 m=6
